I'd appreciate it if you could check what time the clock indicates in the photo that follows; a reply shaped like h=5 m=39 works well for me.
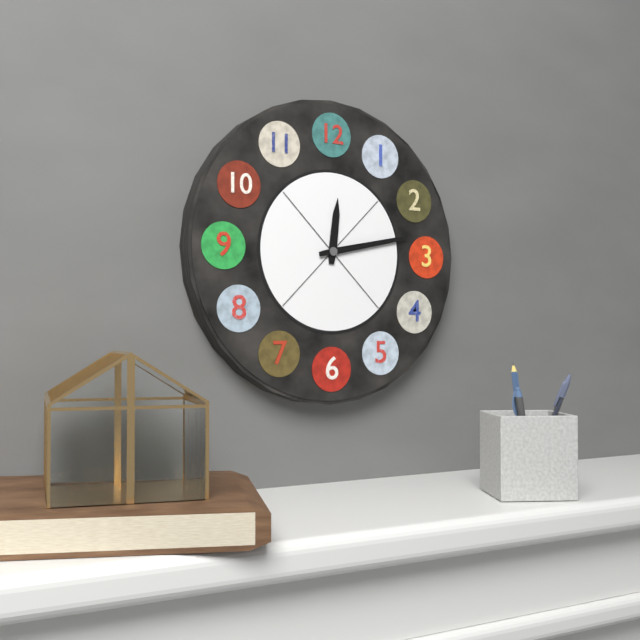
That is h=12 m=13
